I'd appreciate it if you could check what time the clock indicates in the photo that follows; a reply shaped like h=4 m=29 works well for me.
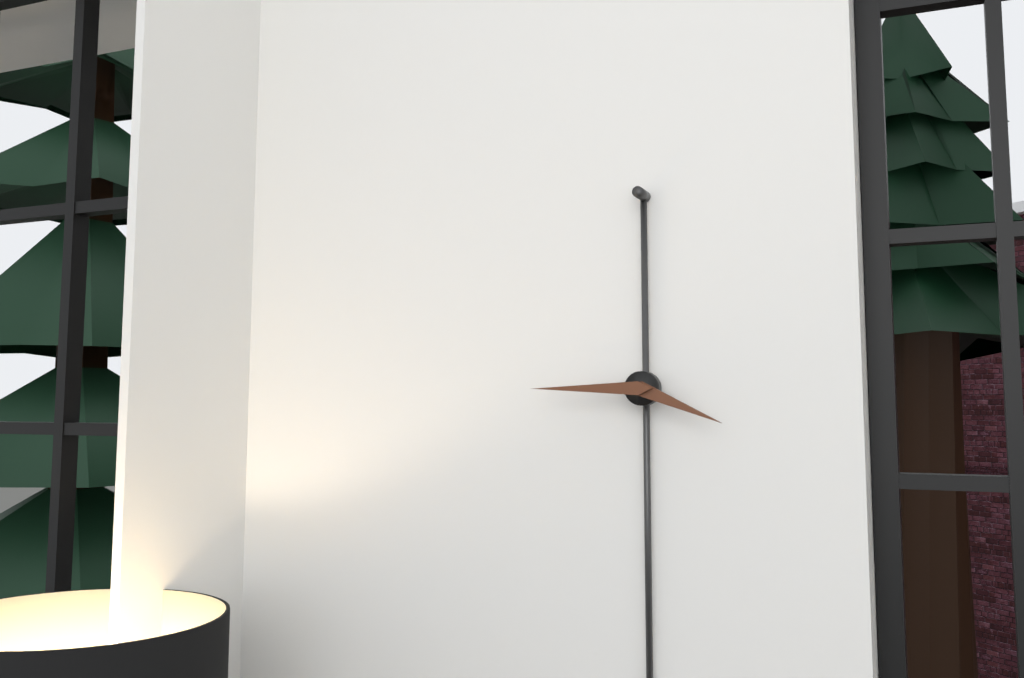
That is h=3 m=45
